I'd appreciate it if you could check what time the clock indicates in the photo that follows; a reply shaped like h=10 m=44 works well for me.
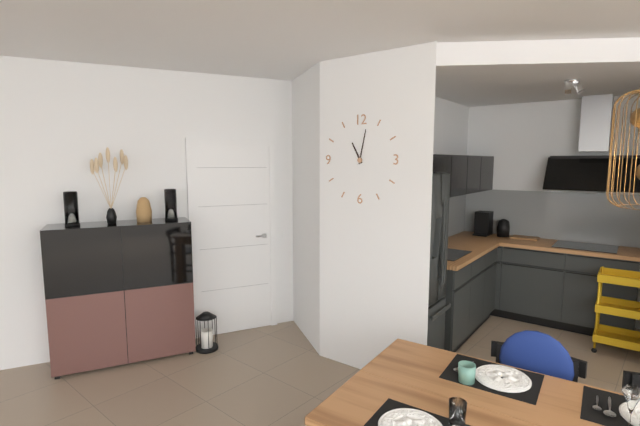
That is h=11 m=2
